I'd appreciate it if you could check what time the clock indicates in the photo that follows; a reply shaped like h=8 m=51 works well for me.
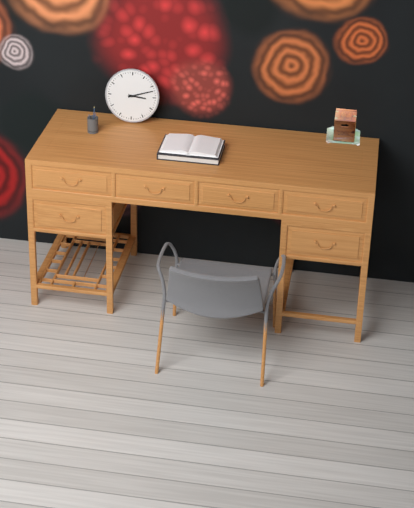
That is h=3 m=12
